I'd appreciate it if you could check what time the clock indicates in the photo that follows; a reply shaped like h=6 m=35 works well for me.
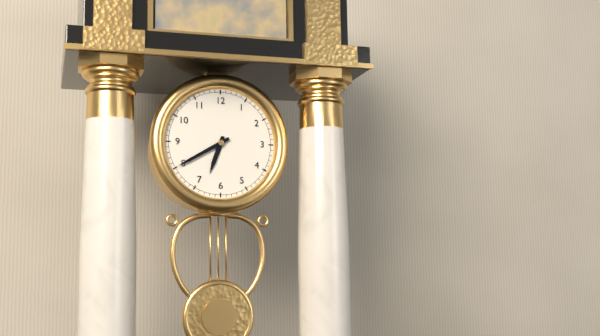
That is h=6 m=40
